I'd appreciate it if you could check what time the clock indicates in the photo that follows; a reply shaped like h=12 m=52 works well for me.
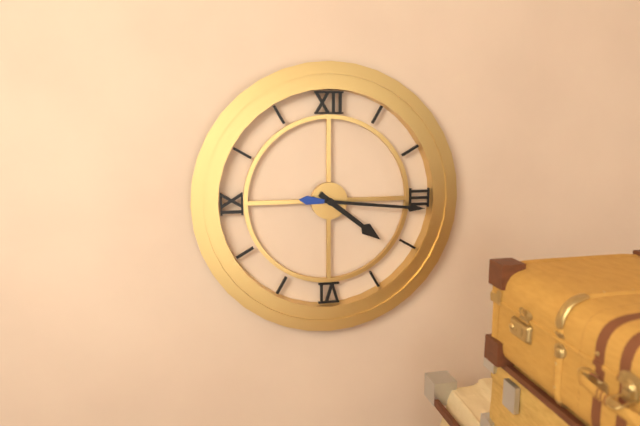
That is h=4 m=16
